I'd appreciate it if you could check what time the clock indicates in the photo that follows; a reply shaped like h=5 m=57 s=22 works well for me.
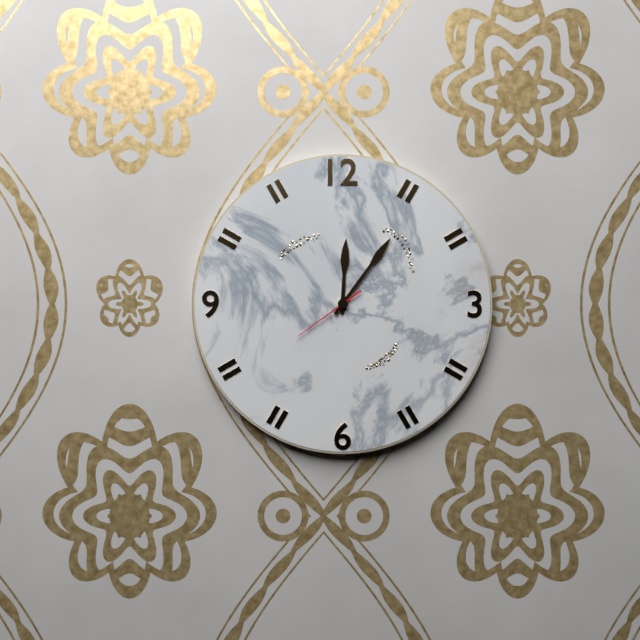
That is h=12 m=6 s=39
